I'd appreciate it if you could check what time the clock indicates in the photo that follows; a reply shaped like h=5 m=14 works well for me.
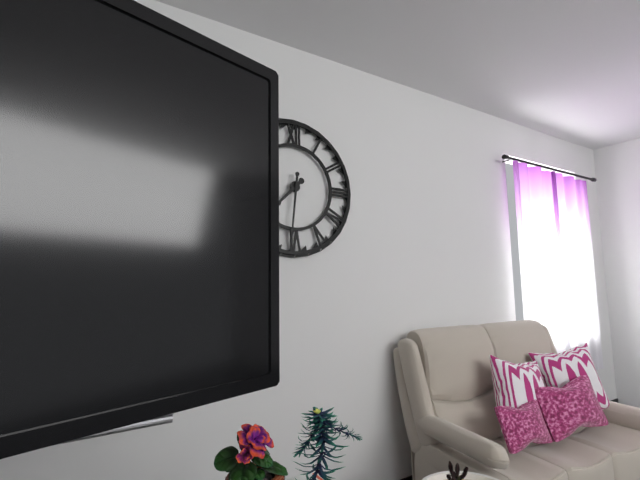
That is h=7 m=31
